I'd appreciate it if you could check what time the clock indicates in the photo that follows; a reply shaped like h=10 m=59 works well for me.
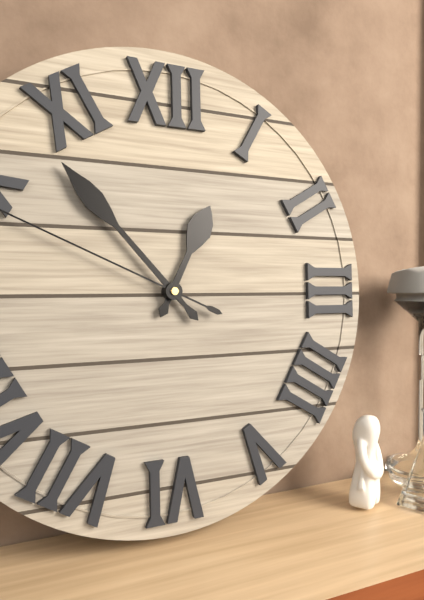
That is h=12 m=53
